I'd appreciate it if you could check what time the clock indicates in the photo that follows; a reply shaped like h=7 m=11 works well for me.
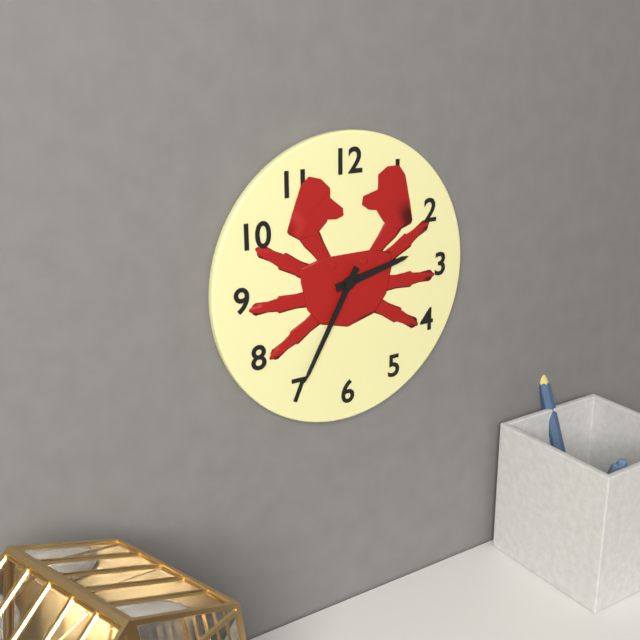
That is h=2 m=35
